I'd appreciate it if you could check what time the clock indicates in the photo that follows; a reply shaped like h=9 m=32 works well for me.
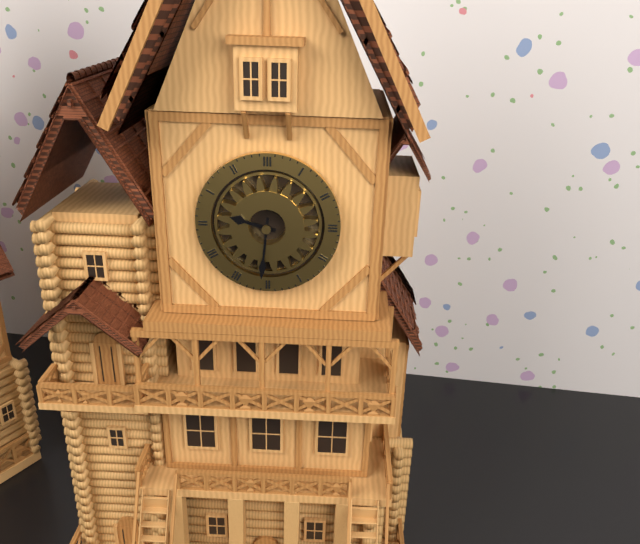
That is h=9 m=31
